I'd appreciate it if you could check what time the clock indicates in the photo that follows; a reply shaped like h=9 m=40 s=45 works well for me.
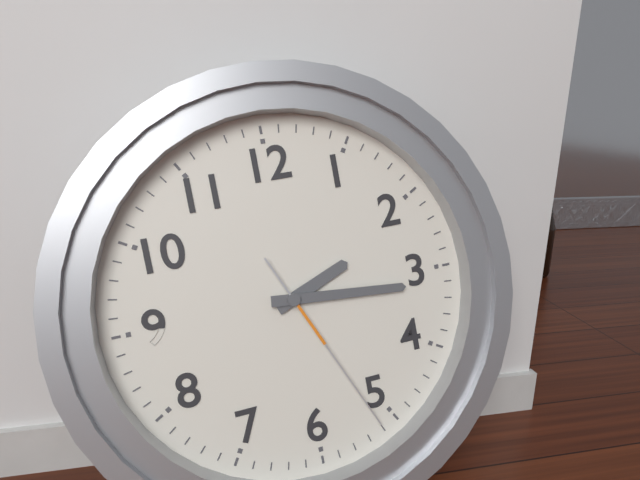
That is h=2 m=16 s=26
